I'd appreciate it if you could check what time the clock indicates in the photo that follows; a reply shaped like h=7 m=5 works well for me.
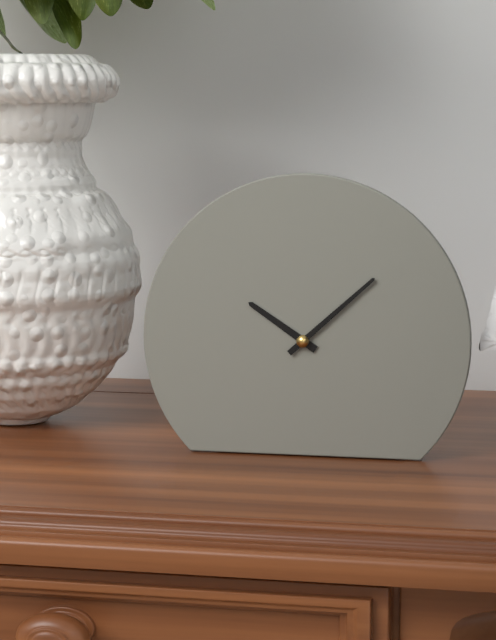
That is h=10 m=8
